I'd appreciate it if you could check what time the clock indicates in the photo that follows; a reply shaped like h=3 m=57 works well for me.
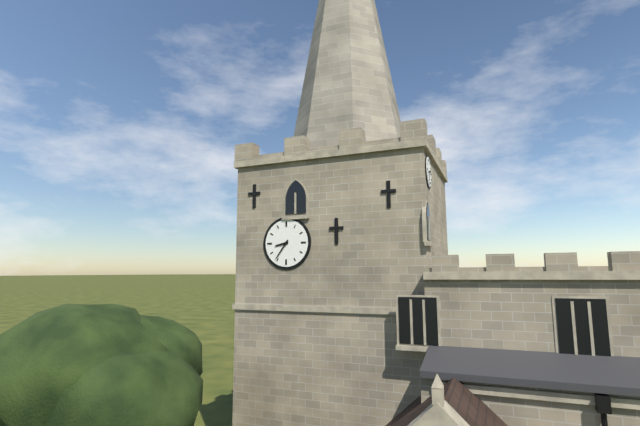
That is h=8 m=36
